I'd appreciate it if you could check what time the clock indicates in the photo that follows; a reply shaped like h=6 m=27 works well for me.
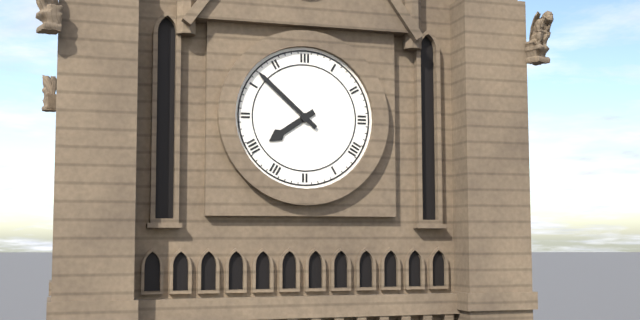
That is h=7 m=52
